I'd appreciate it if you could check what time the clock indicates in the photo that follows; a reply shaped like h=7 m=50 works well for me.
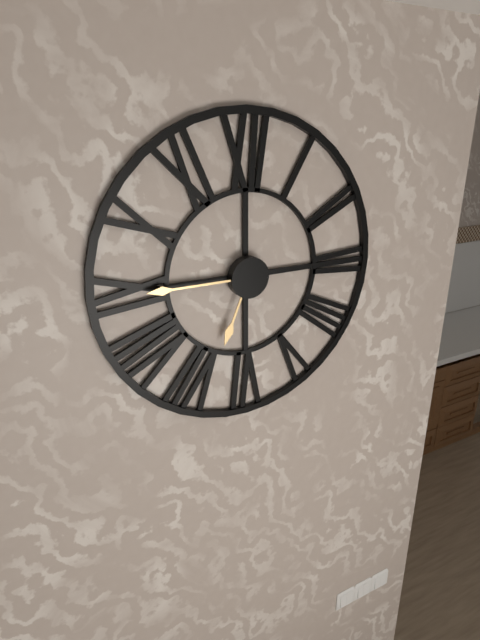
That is h=6 m=45
